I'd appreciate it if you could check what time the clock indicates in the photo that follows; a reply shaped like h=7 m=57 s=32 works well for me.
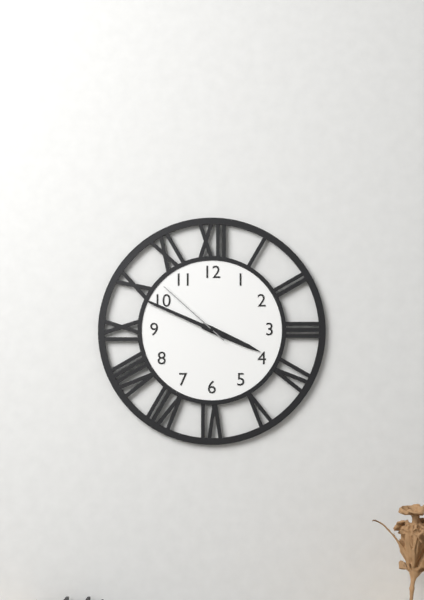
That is h=3 m=49 s=52
